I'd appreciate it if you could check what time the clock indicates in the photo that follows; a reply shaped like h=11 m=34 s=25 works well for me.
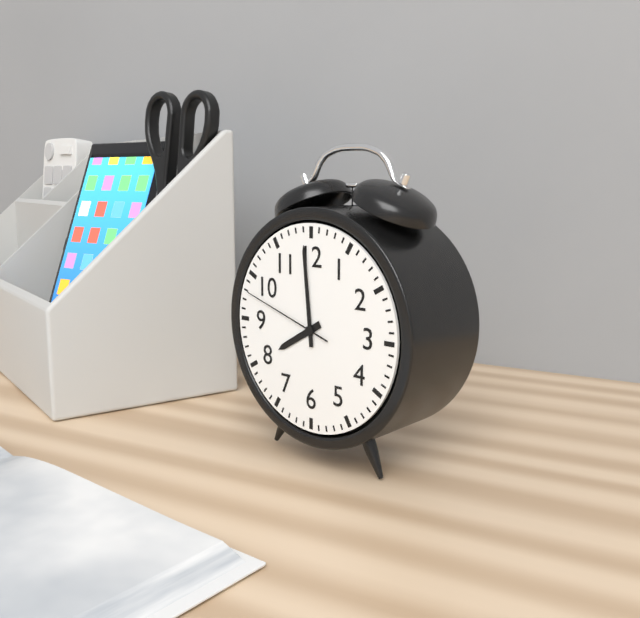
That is h=7 m=59 s=48
